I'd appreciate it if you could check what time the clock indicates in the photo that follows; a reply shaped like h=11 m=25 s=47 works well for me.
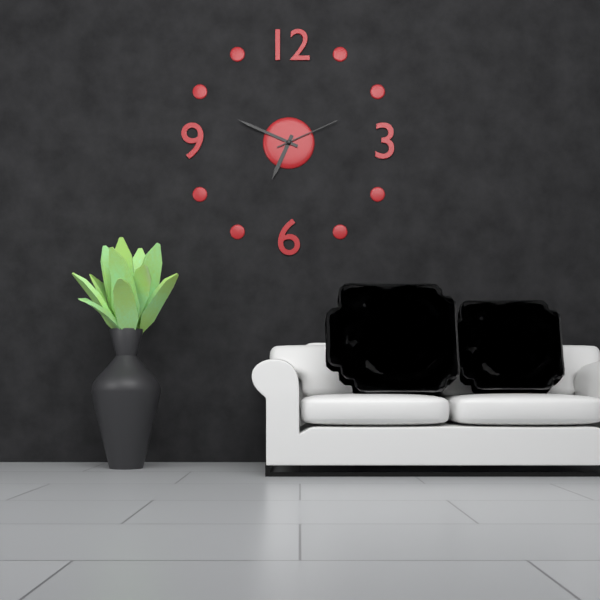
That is h=6 m=49 s=11
